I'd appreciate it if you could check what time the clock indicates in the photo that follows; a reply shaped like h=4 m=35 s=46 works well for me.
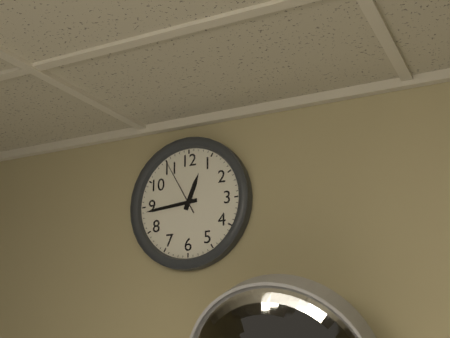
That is h=12 m=44 s=55
